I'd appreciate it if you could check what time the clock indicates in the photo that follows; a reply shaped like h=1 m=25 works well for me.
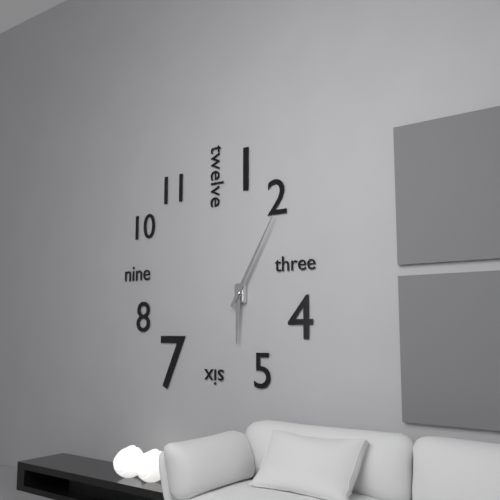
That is h=6 m=5
